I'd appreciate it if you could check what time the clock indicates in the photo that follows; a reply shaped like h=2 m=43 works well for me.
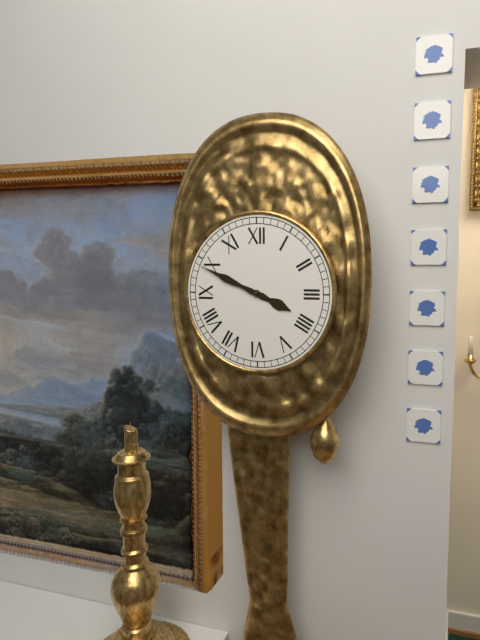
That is h=3 m=49
